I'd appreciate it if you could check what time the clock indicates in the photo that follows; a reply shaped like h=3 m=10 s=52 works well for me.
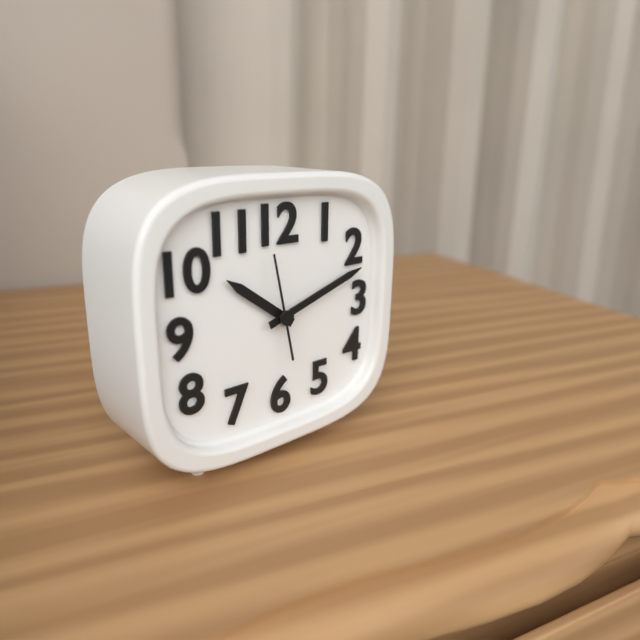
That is h=10 m=12 s=58
